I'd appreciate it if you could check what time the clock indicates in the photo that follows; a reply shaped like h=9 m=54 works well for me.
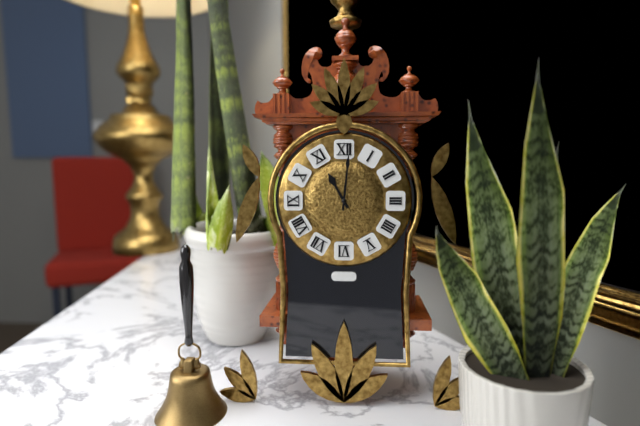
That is h=11 m=1
